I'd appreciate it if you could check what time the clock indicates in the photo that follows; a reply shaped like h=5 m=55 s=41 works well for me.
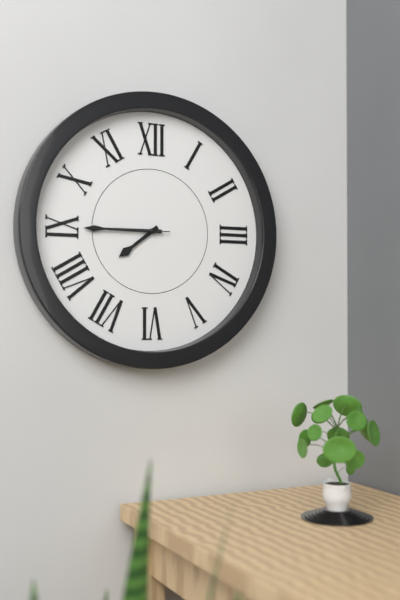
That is h=7 m=45 s=45
